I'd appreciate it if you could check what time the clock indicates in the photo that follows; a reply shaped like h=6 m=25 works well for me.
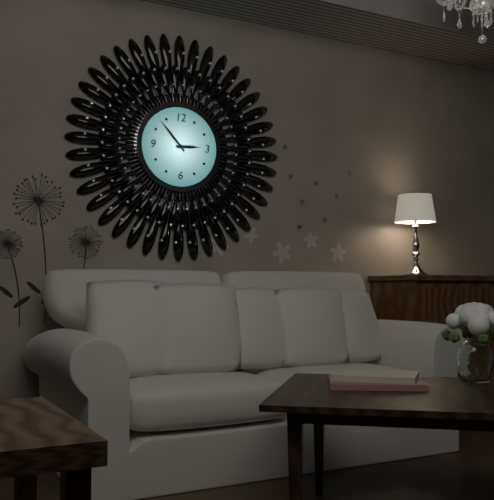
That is h=2 m=53
